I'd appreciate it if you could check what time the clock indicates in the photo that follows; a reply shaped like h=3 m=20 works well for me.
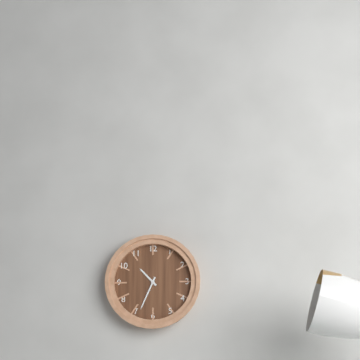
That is h=10 m=34
